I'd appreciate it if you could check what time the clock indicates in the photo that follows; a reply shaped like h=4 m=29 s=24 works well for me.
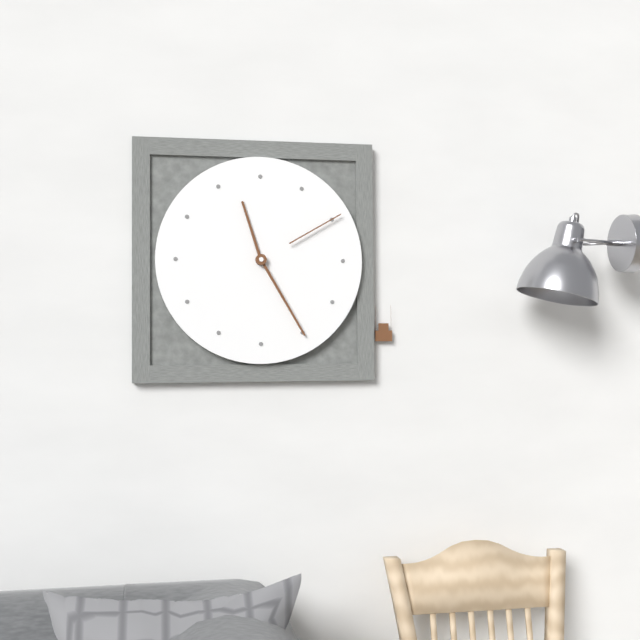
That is h=11 m=25 s=10
